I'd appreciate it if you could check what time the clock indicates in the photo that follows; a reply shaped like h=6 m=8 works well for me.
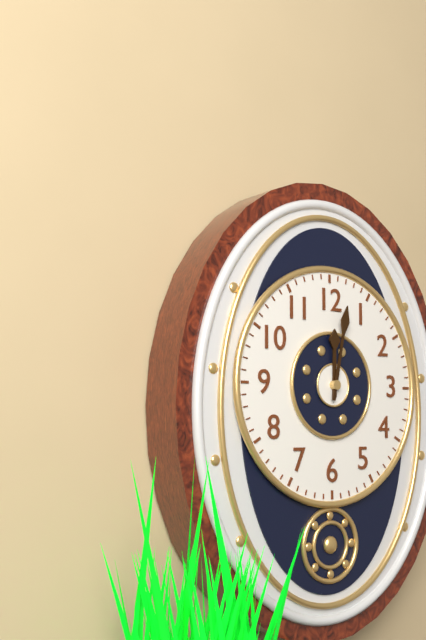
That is h=12 m=2
